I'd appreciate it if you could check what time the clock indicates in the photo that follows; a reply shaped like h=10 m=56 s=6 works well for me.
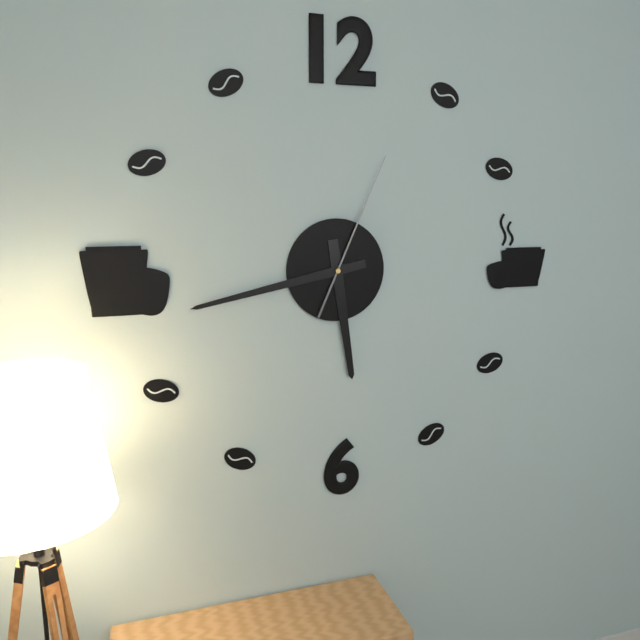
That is h=5 m=43 s=4
